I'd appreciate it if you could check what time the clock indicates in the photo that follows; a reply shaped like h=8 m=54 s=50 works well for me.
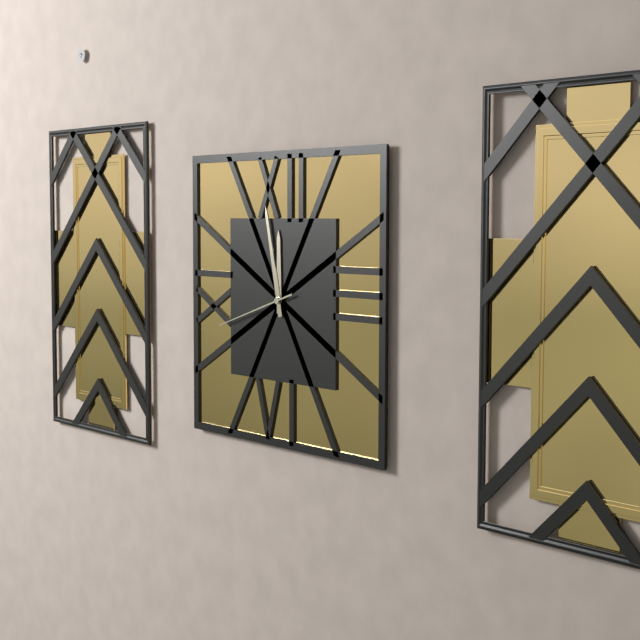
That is h=11 m=58 s=42
